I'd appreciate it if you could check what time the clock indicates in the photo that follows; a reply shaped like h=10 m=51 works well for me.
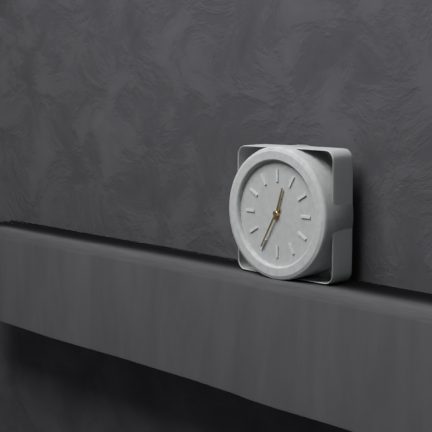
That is h=12 m=35
